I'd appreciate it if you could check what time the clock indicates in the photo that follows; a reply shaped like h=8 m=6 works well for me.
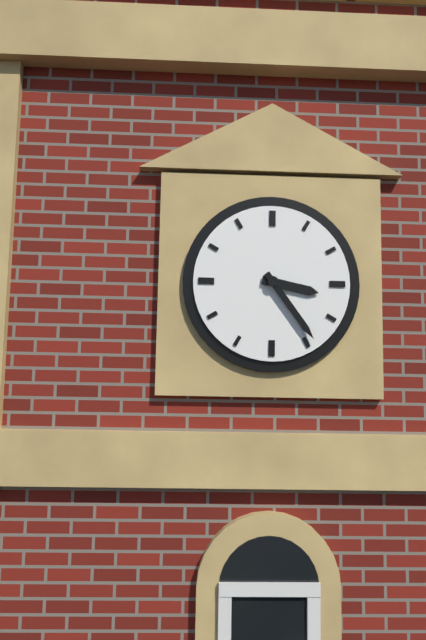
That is h=3 m=24
